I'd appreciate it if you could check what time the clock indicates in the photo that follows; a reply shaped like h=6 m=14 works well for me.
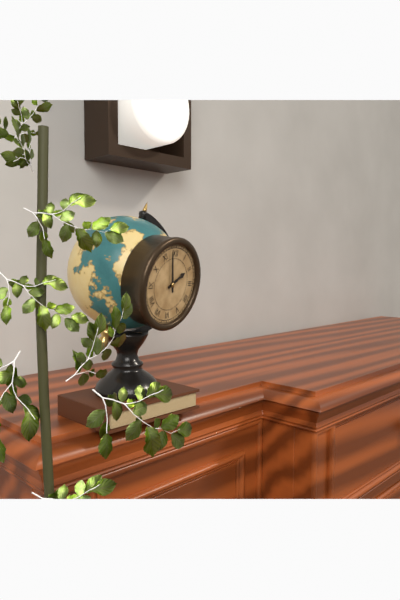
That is h=1 m=58
